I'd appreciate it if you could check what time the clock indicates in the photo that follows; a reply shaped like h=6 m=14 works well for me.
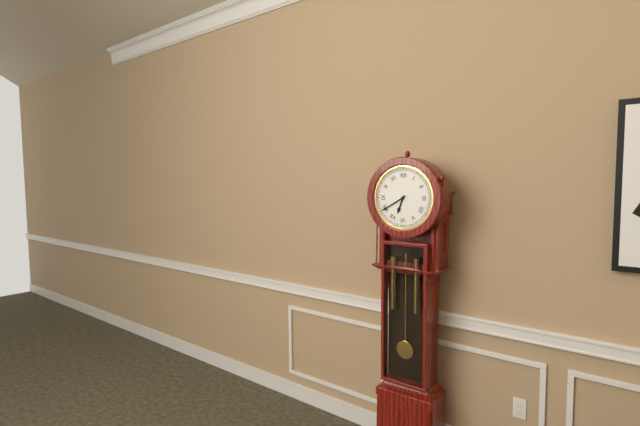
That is h=6 m=40
